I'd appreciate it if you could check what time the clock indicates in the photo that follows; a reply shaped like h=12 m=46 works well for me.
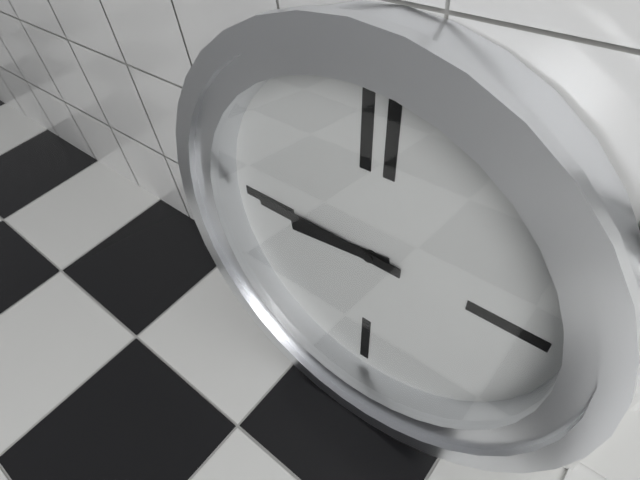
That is h=8 m=45
